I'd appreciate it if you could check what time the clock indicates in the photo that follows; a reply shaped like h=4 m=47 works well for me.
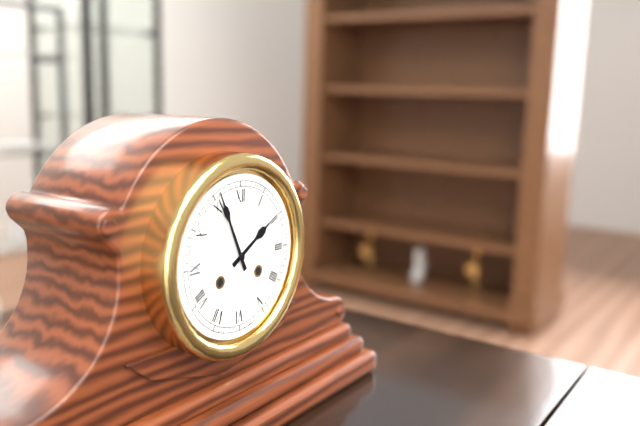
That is h=1 m=56
